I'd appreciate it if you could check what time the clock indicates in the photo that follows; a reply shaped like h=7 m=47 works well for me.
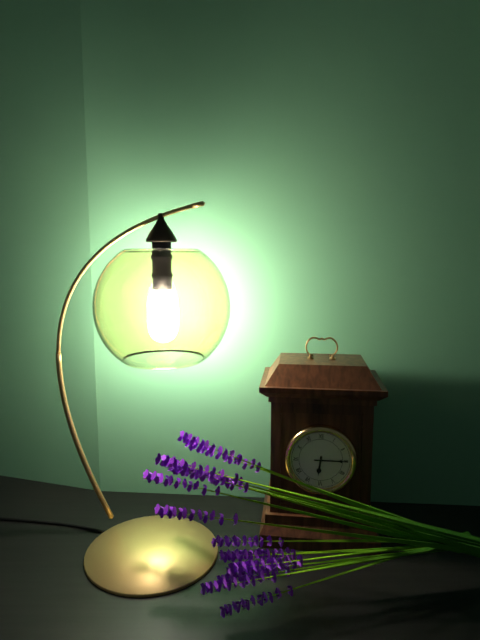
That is h=6 m=15
